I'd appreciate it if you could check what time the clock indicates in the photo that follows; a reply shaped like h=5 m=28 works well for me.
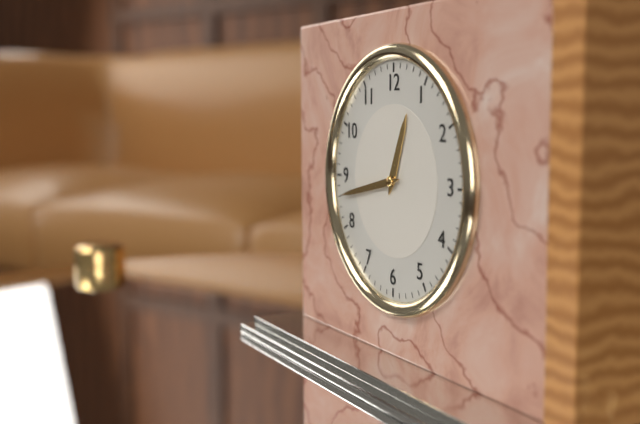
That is h=12 m=43
